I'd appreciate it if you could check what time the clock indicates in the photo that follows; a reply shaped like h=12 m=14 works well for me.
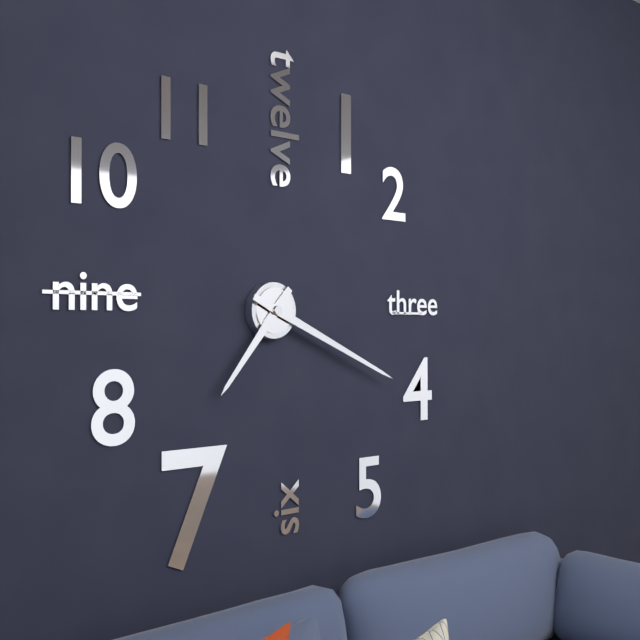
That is h=7 m=19
